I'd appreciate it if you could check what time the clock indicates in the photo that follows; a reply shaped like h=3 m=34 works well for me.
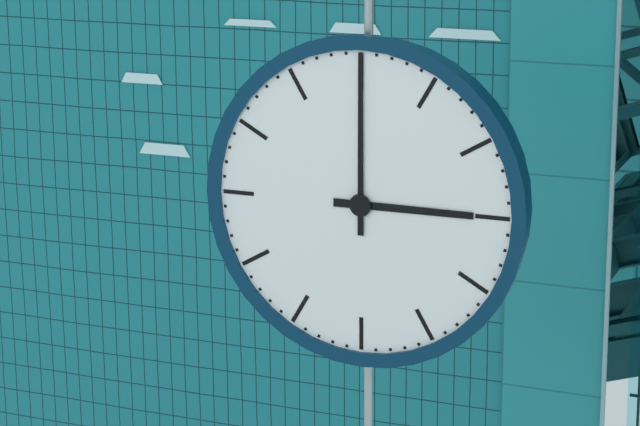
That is h=3 m=0
